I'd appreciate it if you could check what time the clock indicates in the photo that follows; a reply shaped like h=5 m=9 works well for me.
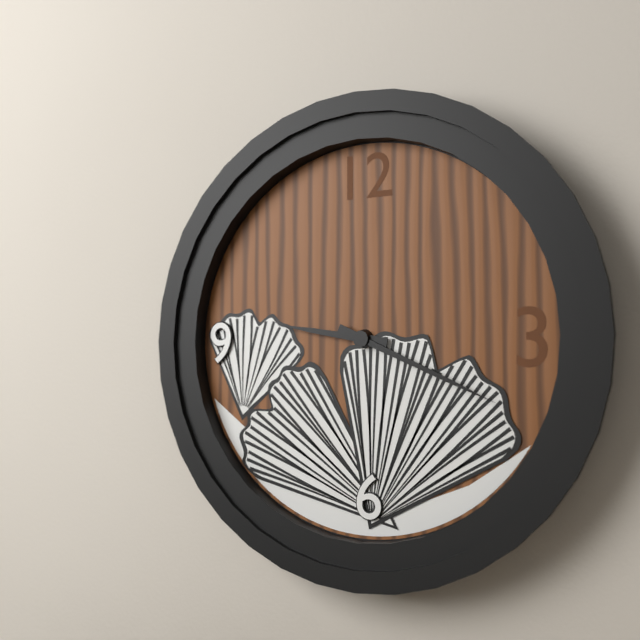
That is h=9 m=19
